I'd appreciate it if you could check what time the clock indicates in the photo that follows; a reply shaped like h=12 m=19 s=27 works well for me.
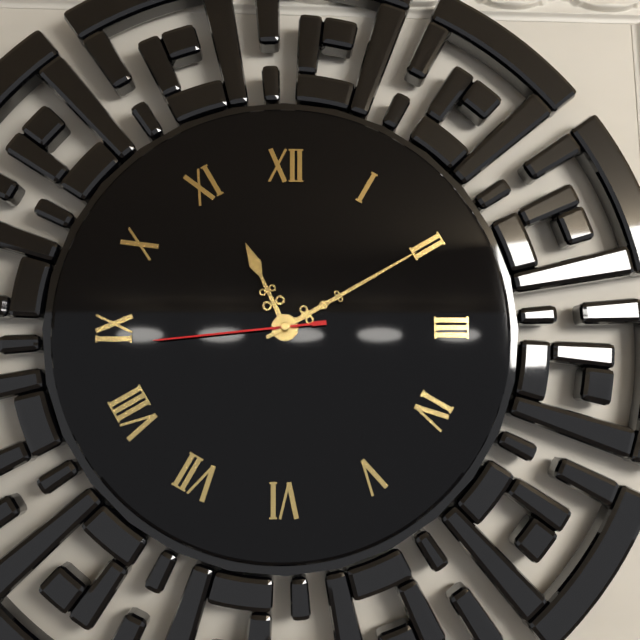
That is h=11 m=10 s=44
